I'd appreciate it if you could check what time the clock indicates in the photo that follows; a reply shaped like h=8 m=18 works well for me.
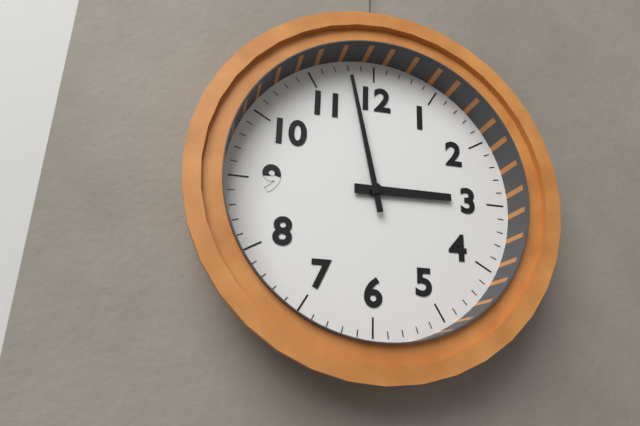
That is h=2 m=58
